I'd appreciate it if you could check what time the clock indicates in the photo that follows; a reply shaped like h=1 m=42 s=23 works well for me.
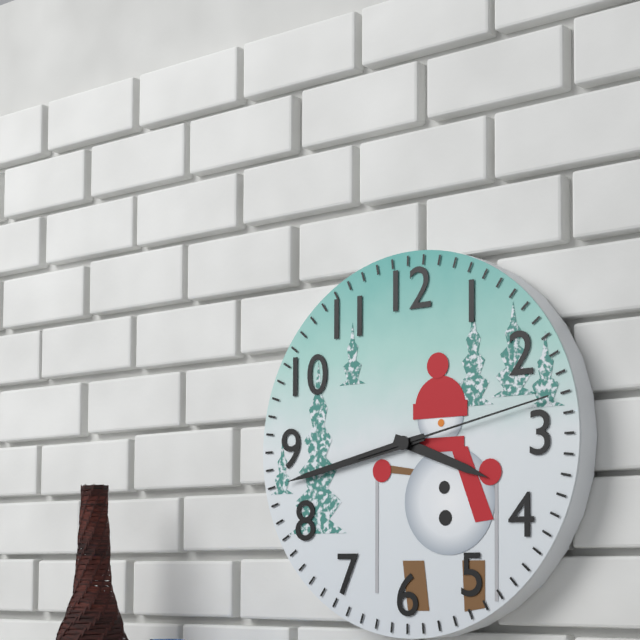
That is h=3 m=43 s=13
